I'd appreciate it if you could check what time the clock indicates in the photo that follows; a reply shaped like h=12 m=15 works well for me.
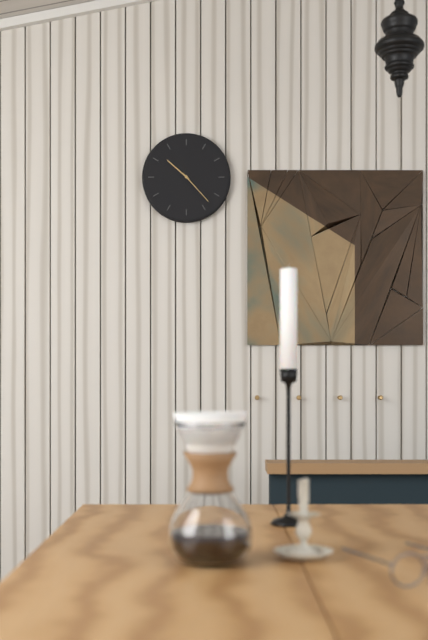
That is h=10 m=23
